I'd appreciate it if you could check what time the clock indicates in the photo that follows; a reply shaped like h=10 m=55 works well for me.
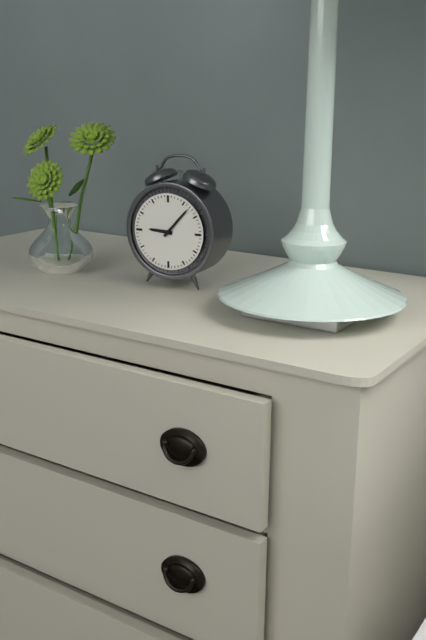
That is h=9 m=7
